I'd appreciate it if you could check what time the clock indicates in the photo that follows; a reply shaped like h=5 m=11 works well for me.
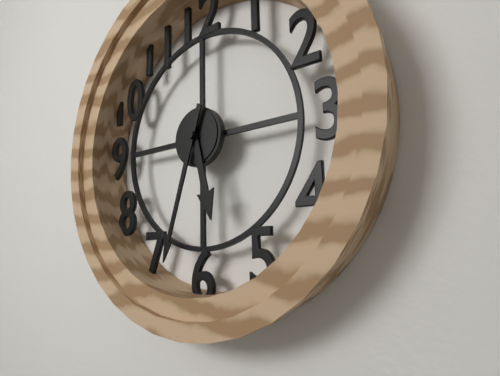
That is h=5 m=33
